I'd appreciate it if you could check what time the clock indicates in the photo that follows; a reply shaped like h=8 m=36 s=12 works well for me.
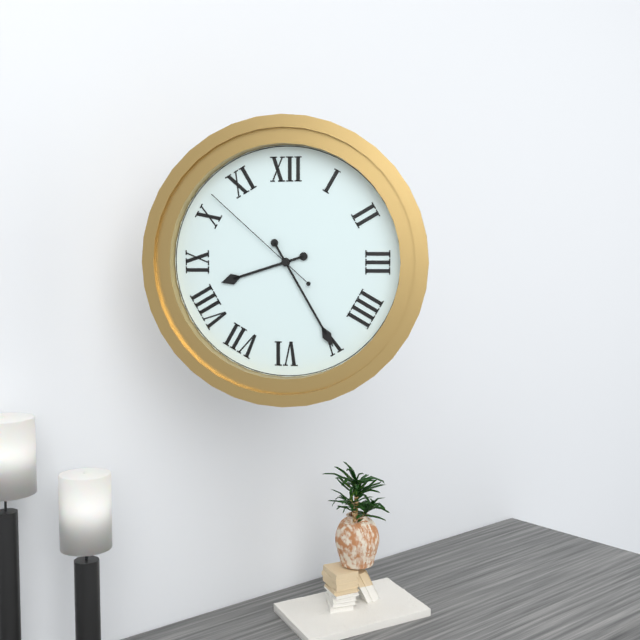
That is h=8 m=25 s=52
